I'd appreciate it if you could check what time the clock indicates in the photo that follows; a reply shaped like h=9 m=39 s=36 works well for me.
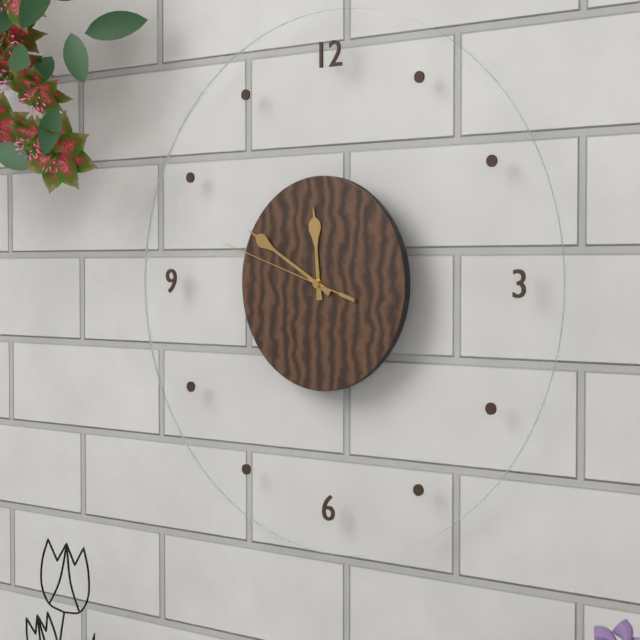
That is h=11 m=50 s=48
